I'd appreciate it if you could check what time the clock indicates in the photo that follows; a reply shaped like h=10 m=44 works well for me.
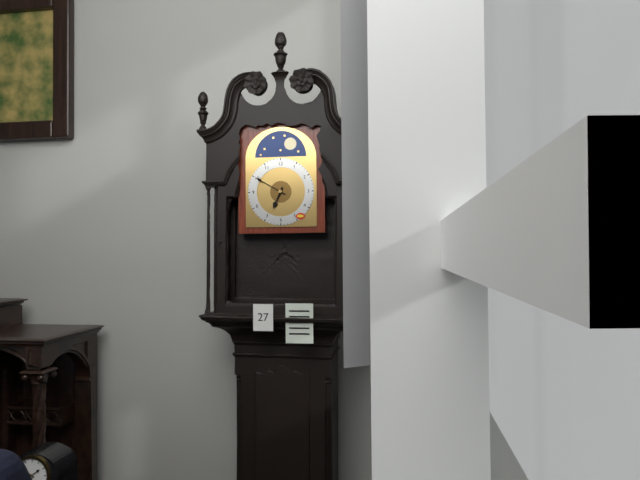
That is h=6 m=50
